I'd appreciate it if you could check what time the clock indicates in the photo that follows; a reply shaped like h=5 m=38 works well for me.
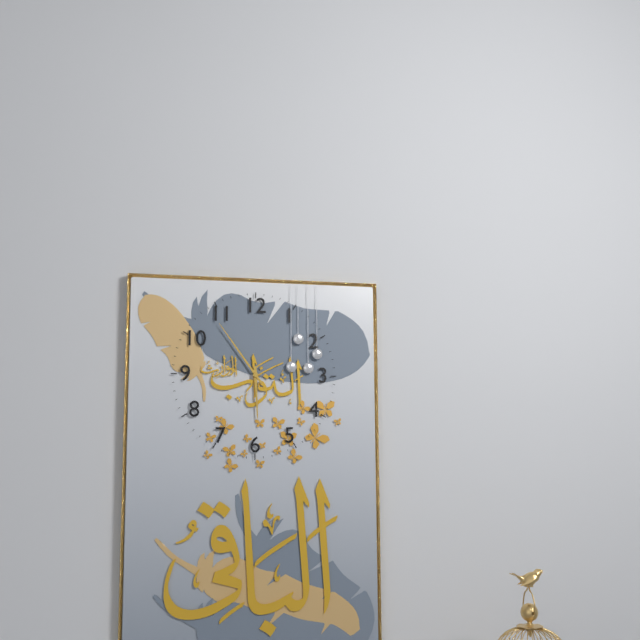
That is h=5 m=54
